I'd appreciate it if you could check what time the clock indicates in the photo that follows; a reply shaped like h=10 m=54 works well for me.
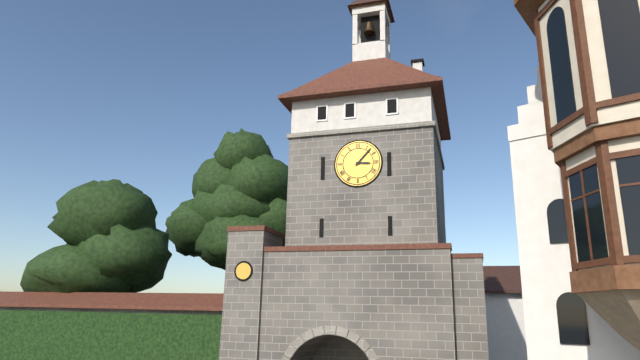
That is h=3 m=7
